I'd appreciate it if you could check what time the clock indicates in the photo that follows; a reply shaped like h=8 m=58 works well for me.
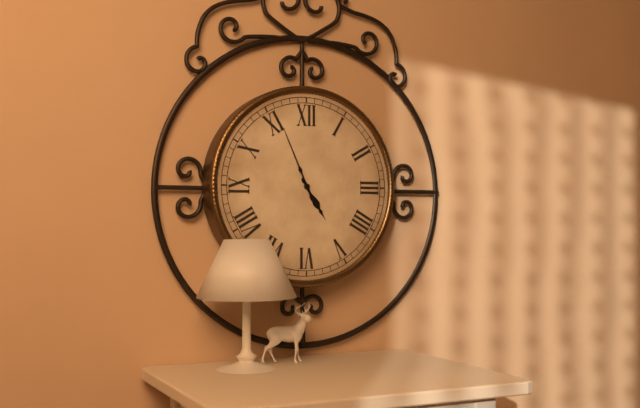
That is h=4 m=56
